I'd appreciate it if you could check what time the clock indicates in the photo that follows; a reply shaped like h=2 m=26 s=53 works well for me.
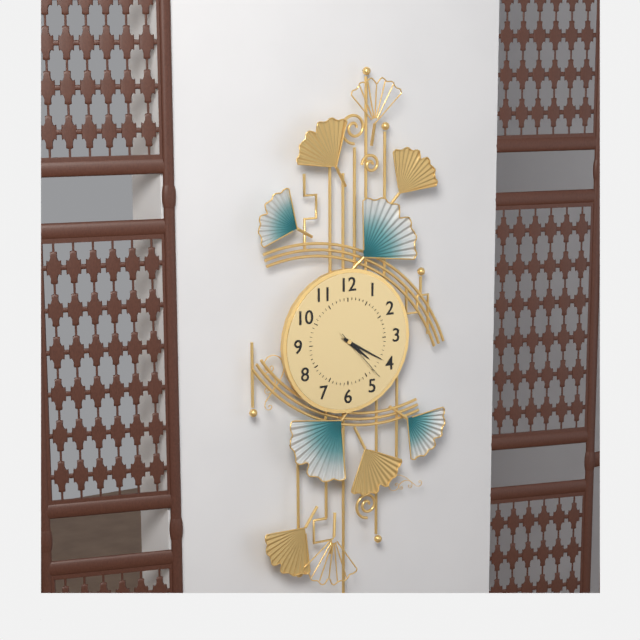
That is h=4 m=20 s=23
